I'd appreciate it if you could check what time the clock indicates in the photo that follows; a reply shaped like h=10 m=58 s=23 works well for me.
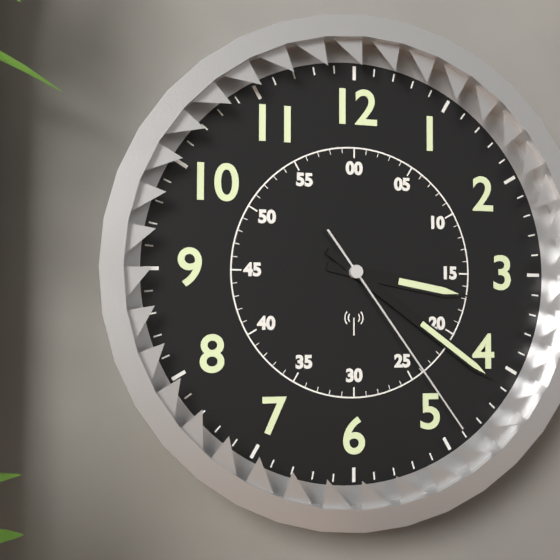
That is h=3 m=21 s=24
